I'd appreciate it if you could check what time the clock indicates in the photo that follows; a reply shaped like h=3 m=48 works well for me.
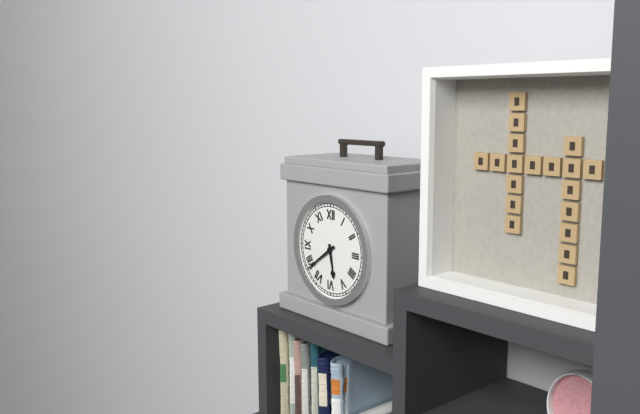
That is h=5 m=39
